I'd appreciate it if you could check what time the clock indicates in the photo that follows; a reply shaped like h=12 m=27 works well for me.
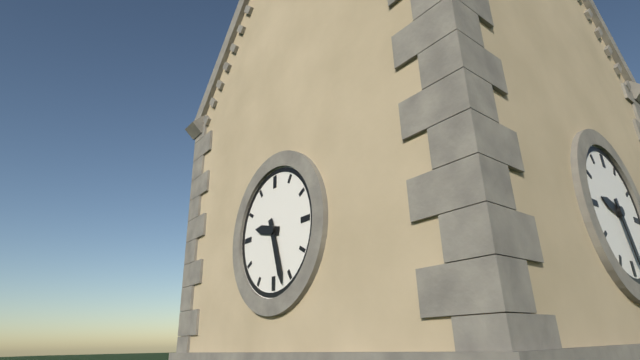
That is h=9 m=27
